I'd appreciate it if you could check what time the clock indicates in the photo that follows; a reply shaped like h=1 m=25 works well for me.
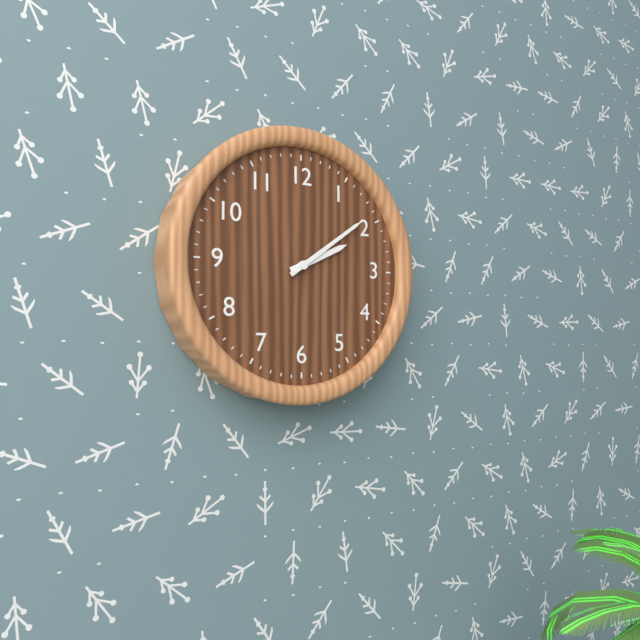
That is h=2 m=9
